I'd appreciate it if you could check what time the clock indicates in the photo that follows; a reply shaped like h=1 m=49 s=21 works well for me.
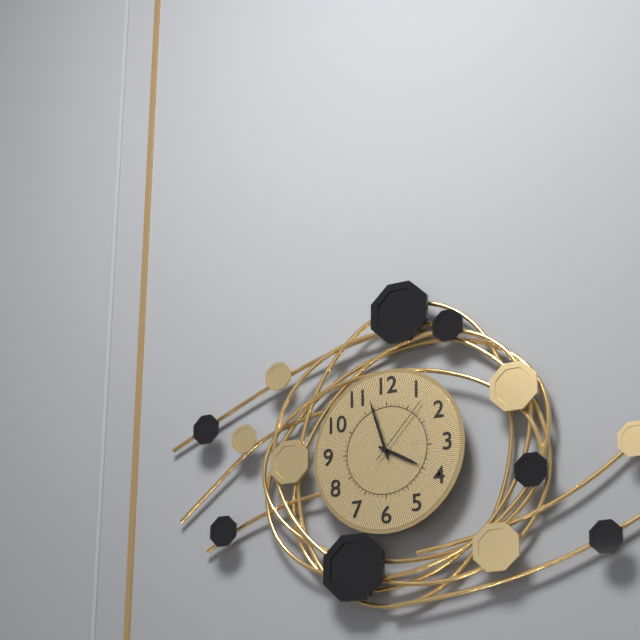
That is h=3 m=57 s=7
